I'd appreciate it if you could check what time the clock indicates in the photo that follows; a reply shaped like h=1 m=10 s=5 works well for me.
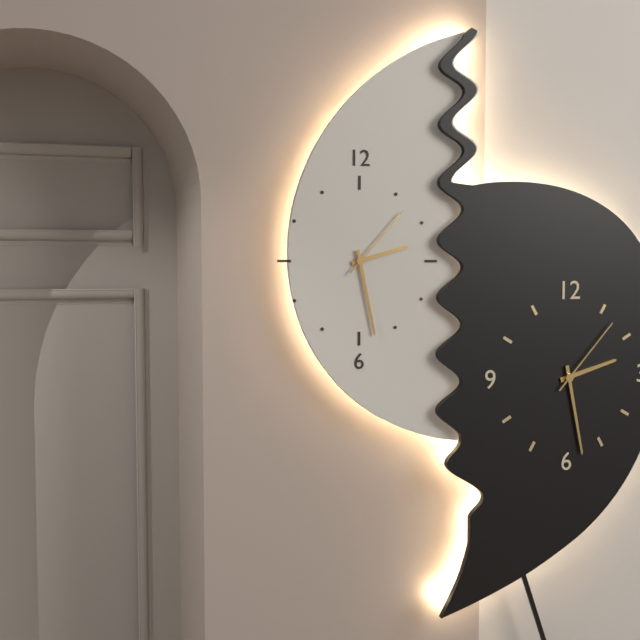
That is h=2 m=28 s=7
